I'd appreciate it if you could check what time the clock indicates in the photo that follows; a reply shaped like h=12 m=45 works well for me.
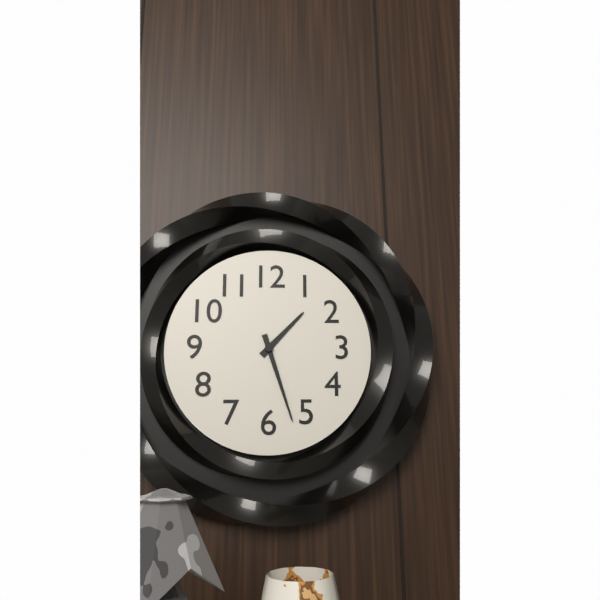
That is h=1 m=27
